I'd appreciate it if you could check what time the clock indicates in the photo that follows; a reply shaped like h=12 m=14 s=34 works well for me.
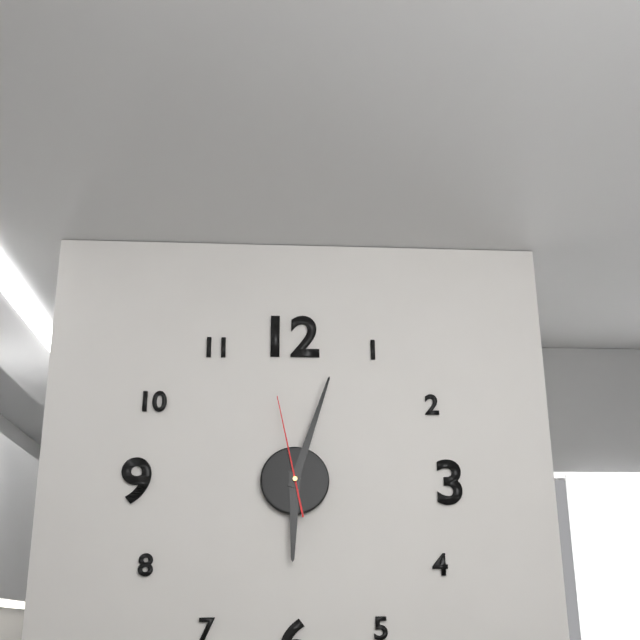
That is h=6 m=3 s=58
